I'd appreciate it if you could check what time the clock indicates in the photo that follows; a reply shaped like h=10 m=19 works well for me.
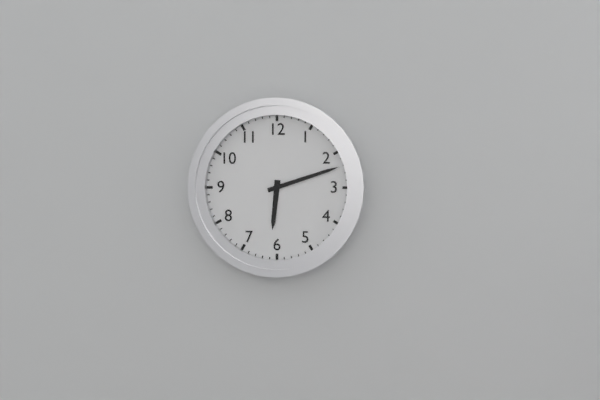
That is h=6 m=12
